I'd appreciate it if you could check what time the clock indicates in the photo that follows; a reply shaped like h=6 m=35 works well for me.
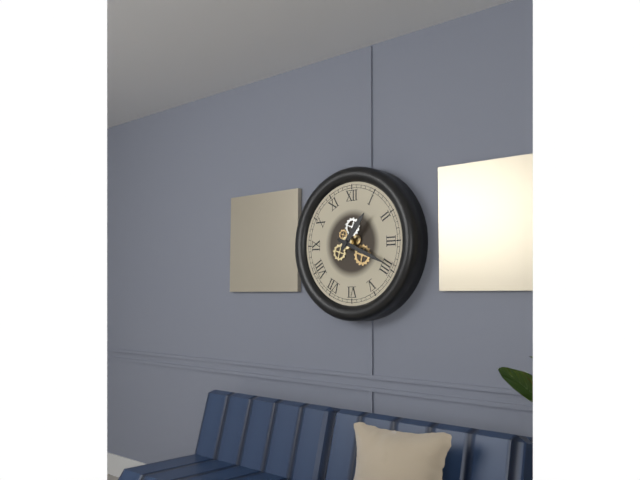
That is h=1 m=19
